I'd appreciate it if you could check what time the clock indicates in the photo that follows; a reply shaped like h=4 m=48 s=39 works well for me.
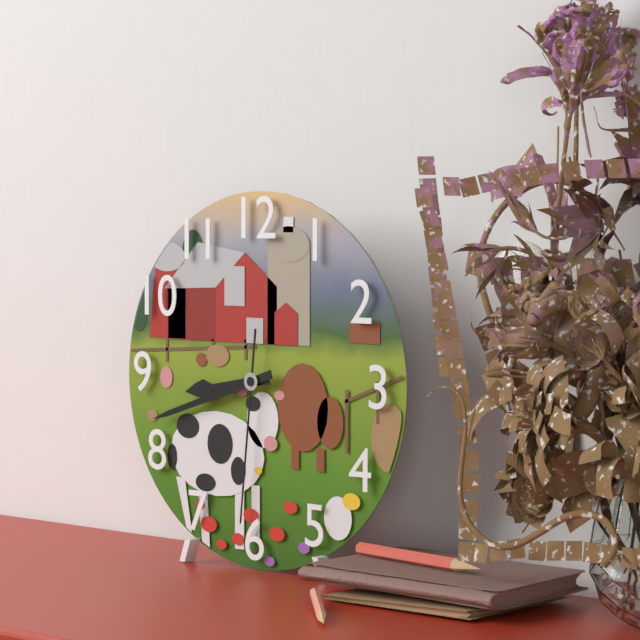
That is h=8 m=42 s=31
